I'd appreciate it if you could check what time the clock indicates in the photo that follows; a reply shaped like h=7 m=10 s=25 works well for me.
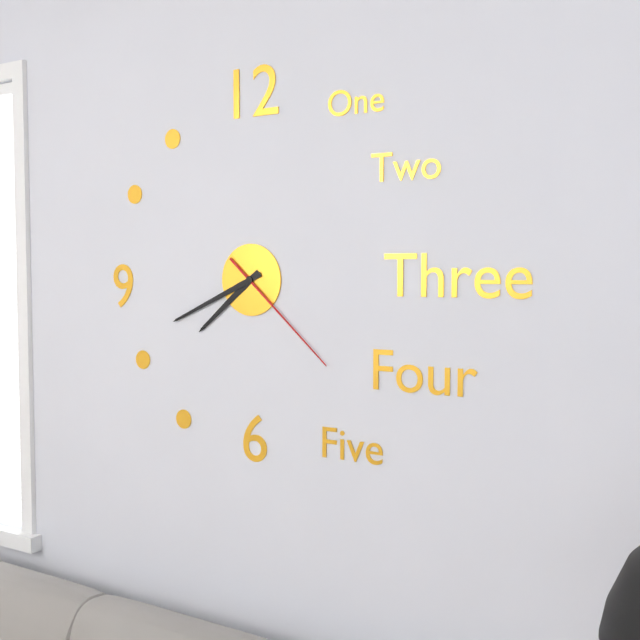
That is h=7 m=41 s=22
